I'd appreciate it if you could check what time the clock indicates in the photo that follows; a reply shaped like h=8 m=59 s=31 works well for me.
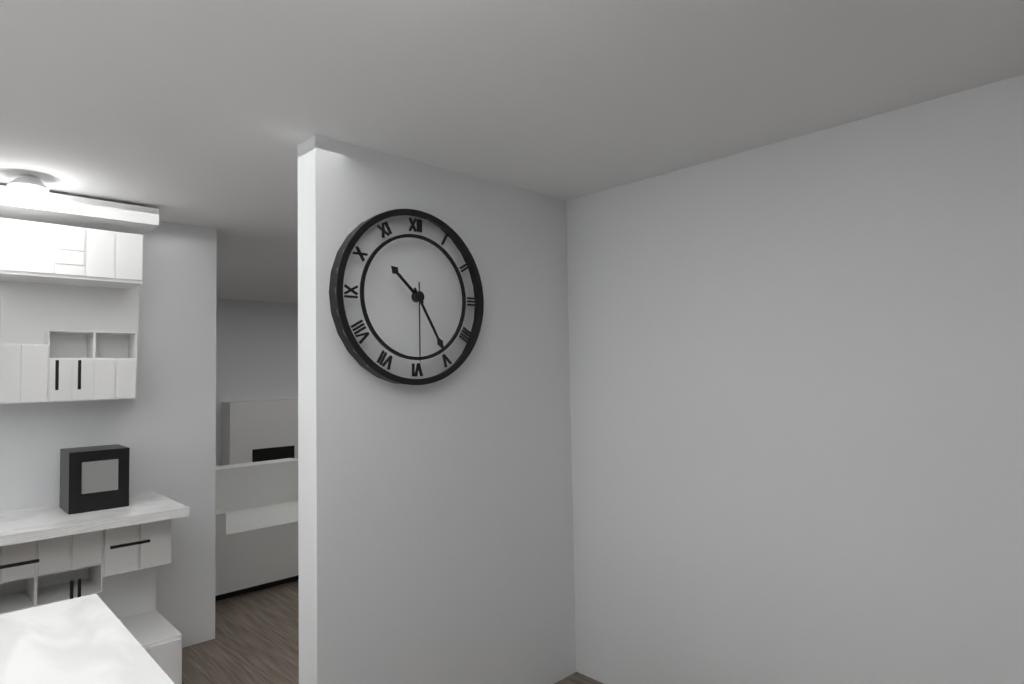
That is h=10 m=25 s=30
